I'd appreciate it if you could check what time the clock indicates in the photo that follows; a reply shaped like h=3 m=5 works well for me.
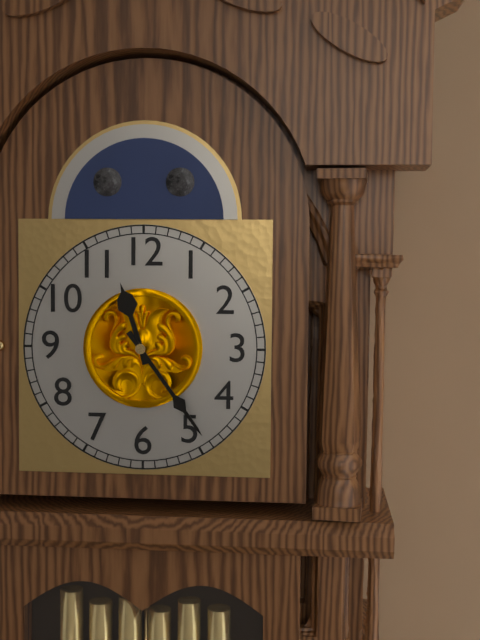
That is h=11 m=24
